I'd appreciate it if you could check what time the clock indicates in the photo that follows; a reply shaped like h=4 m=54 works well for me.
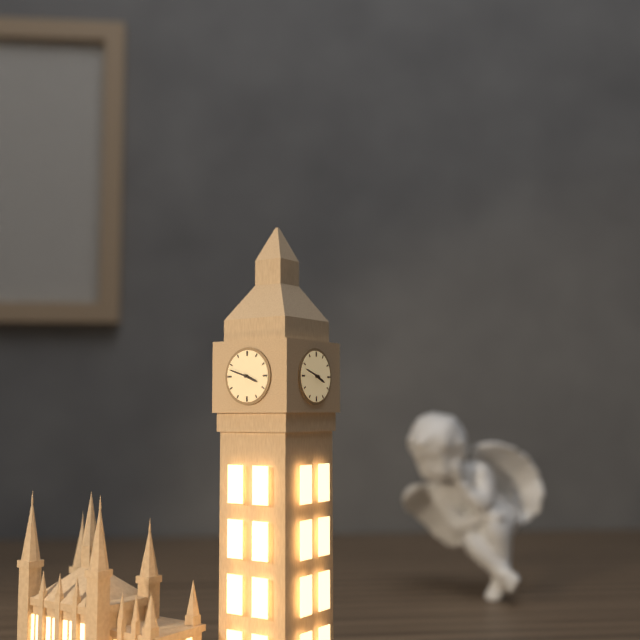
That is h=3 m=48
